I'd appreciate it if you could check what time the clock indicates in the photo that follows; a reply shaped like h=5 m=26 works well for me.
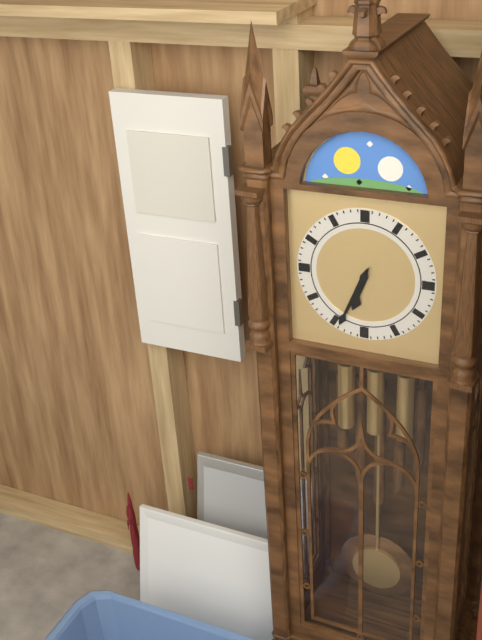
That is h=6 m=34
